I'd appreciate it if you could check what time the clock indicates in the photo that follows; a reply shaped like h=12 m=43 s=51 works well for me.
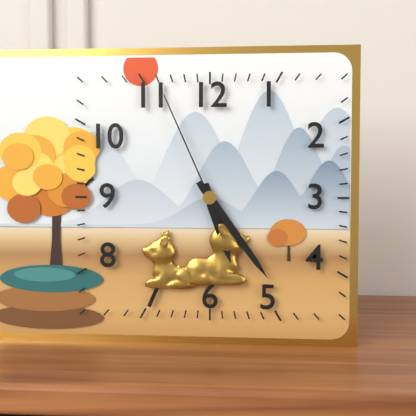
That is h=5 m=24 s=56
